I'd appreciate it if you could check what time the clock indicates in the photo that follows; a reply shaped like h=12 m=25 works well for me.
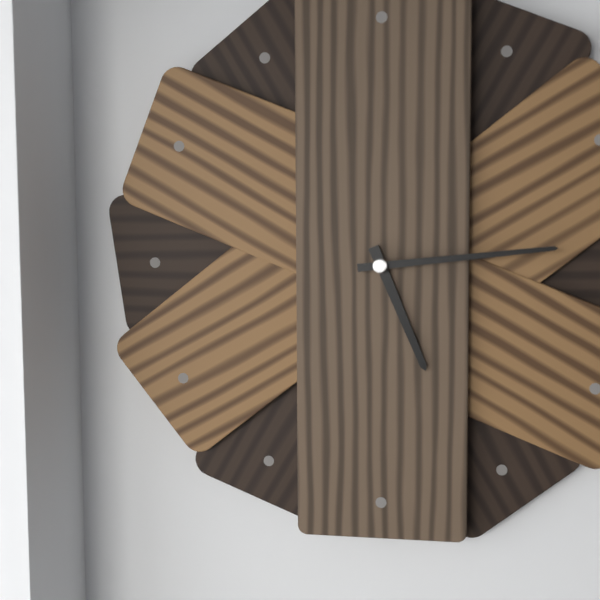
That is h=5 m=14
